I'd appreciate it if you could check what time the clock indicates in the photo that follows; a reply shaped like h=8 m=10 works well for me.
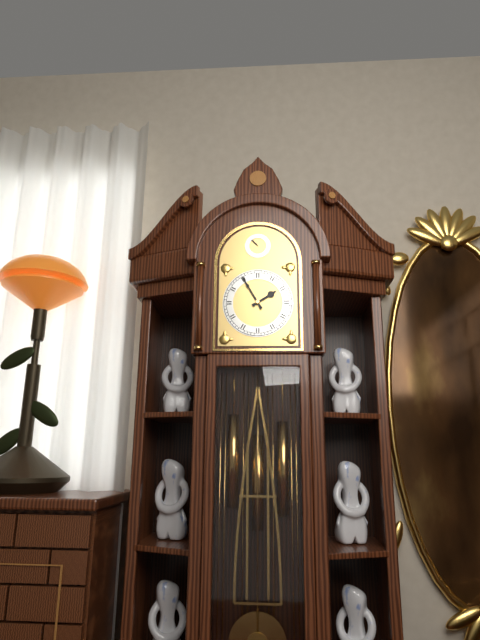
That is h=1 m=55
